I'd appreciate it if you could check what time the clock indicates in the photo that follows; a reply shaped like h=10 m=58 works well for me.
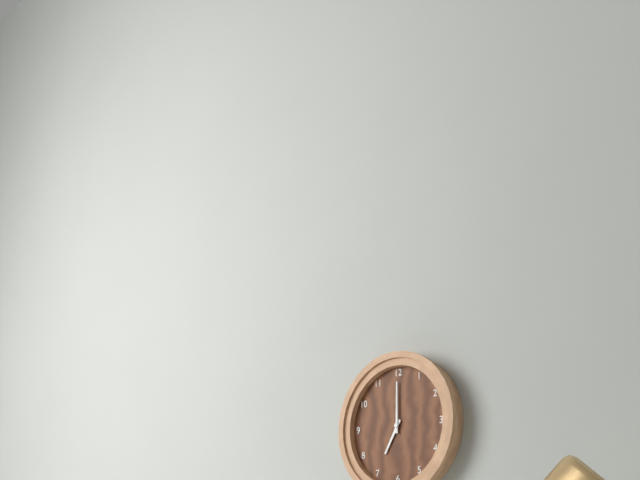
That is h=7 m=0
